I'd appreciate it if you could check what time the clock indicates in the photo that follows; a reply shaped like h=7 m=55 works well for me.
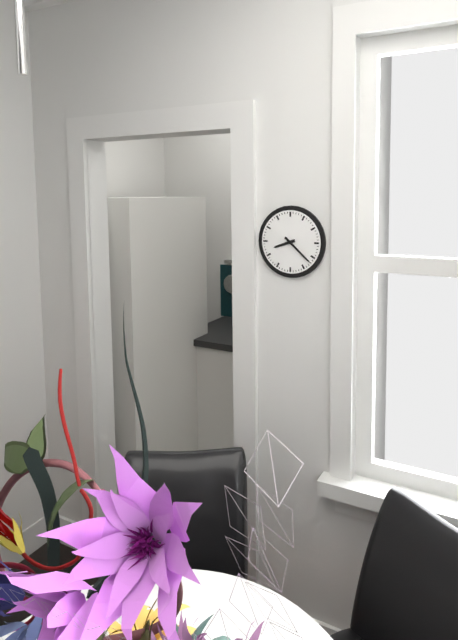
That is h=8 m=22
